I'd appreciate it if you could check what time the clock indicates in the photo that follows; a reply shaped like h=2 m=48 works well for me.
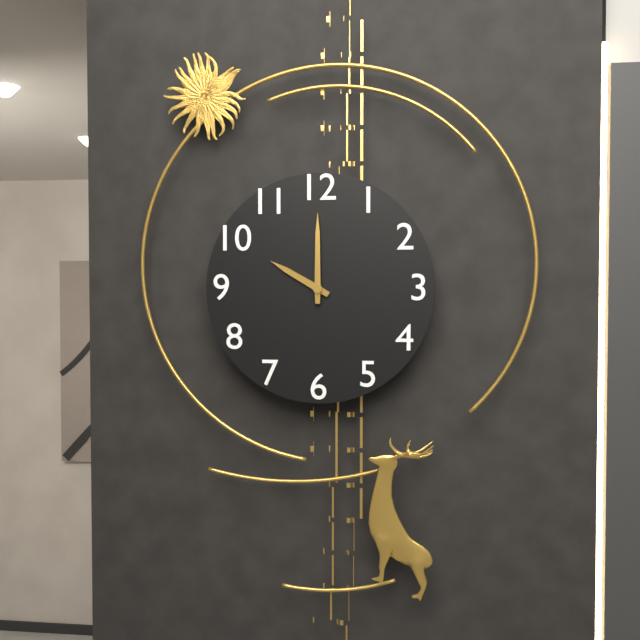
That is h=10 m=0
